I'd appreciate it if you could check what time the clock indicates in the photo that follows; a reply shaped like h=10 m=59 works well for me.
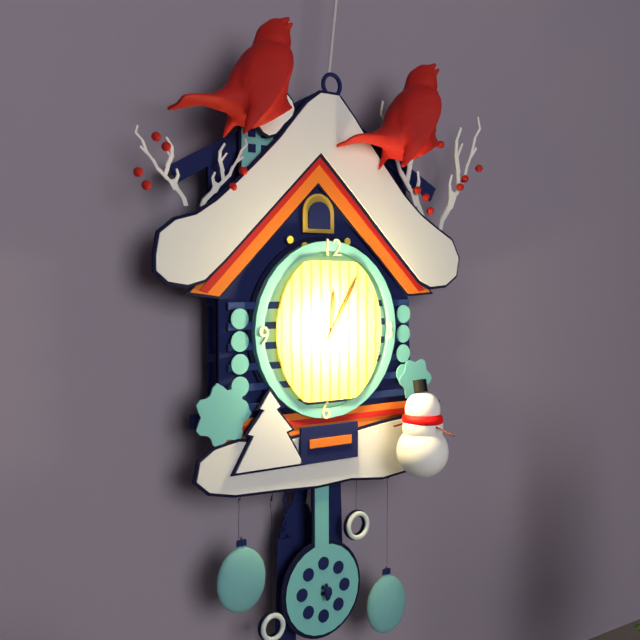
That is h=12 m=5
